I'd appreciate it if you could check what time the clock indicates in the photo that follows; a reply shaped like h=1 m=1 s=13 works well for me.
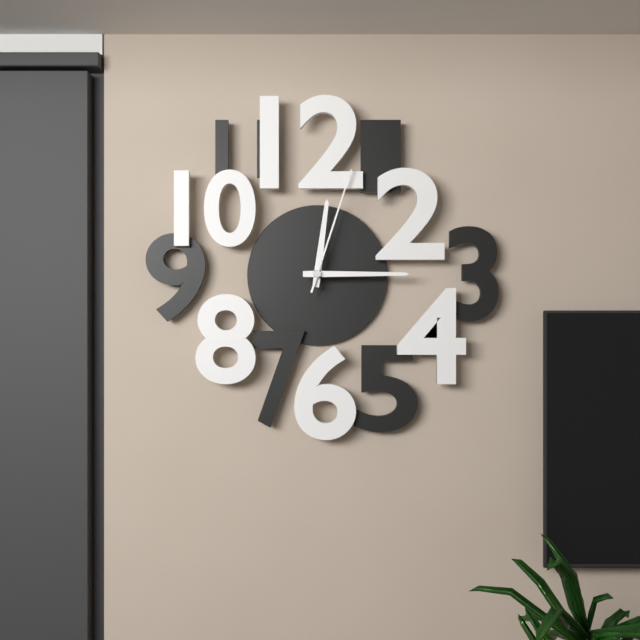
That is h=12 m=15 s=3
